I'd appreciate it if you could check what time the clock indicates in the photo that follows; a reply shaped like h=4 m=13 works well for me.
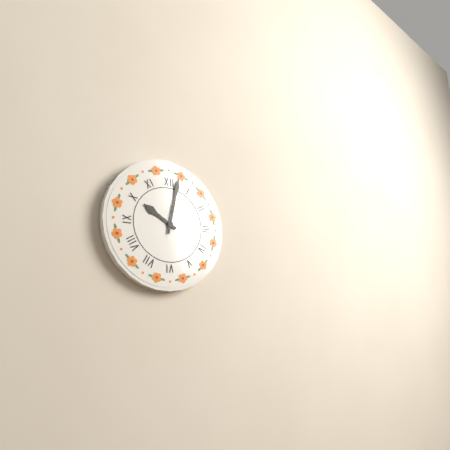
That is h=10 m=2
